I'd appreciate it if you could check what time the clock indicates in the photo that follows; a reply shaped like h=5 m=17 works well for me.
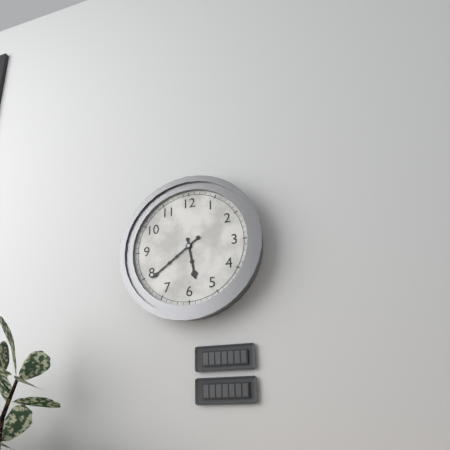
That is h=5 m=39
